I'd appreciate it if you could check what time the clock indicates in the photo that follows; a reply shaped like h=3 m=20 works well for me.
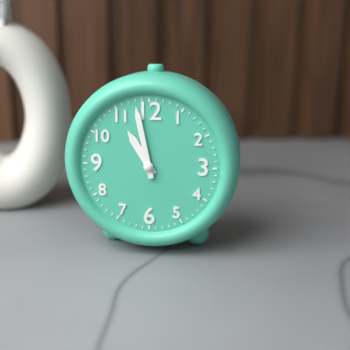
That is h=10 m=58
